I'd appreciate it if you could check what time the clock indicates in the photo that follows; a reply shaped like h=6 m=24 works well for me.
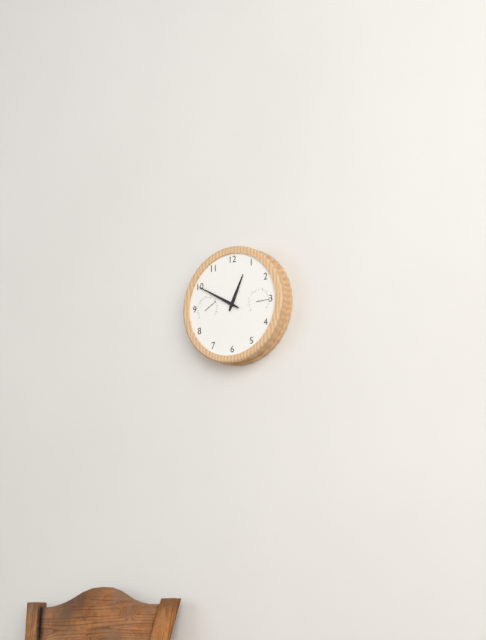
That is h=12 m=50
